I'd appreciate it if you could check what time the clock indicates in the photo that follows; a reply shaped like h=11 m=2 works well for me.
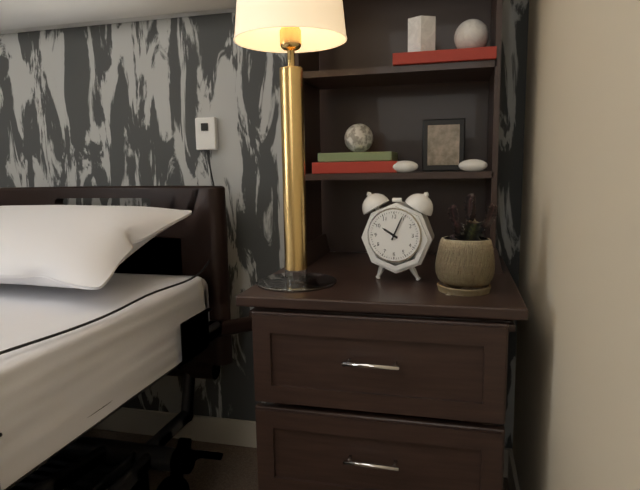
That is h=10 m=4
